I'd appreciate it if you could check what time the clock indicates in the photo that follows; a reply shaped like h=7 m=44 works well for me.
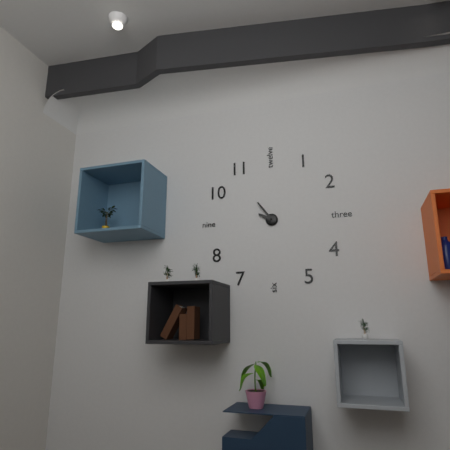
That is h=9 m=54
